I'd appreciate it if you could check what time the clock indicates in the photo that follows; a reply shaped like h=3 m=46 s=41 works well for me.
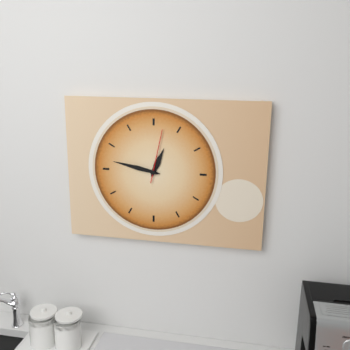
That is h=12 m=47 s=2
